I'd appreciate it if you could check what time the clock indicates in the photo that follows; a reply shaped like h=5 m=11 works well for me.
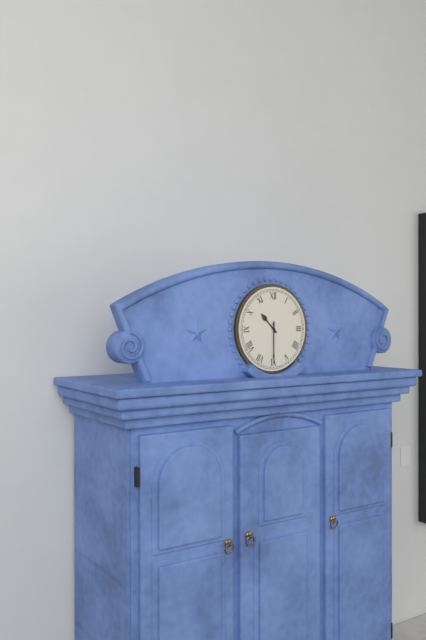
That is h=10 m=30
